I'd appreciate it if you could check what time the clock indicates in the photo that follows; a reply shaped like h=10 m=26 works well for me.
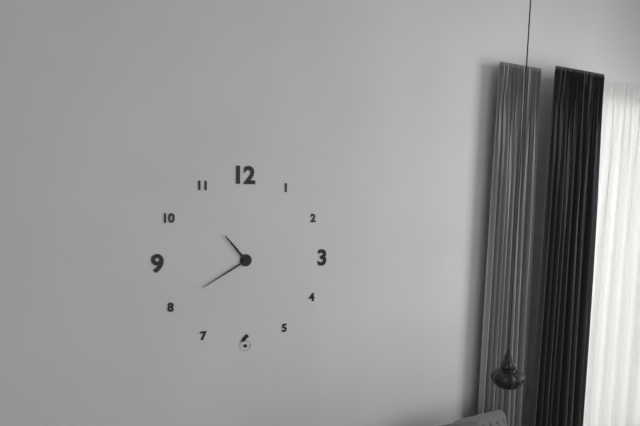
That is h=10 m=40
